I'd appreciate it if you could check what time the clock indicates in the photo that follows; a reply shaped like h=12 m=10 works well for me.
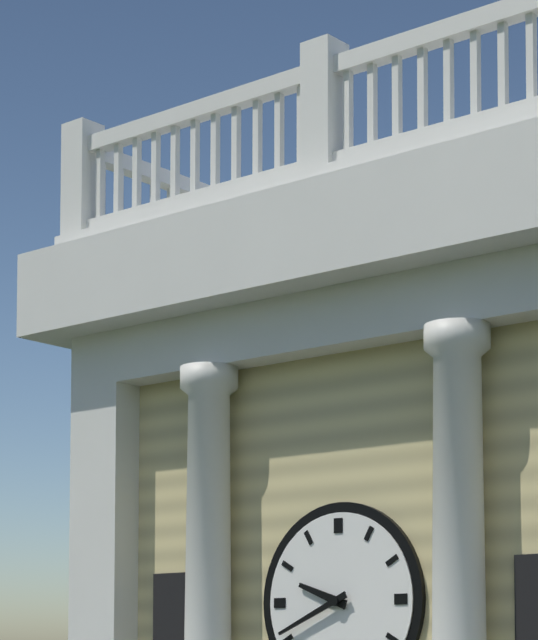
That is h=9 m=41
